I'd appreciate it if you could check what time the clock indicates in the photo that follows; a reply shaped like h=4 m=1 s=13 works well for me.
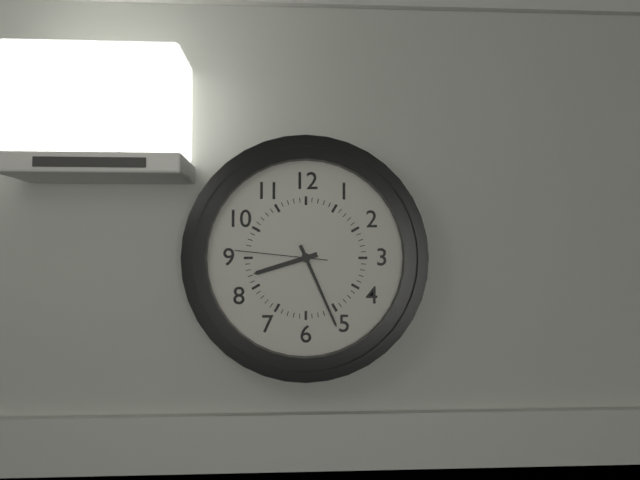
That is h=8 m=26 s=46
